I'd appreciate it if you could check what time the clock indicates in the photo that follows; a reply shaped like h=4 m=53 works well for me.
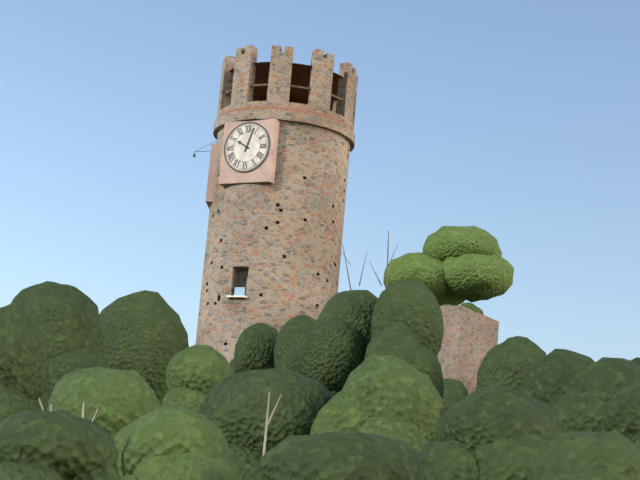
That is h=10 m=3
